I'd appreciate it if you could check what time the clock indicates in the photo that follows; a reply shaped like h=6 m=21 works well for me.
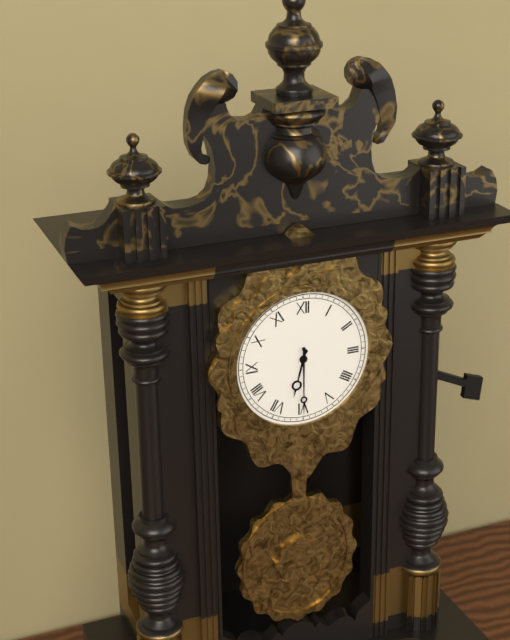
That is h=6 m=30
